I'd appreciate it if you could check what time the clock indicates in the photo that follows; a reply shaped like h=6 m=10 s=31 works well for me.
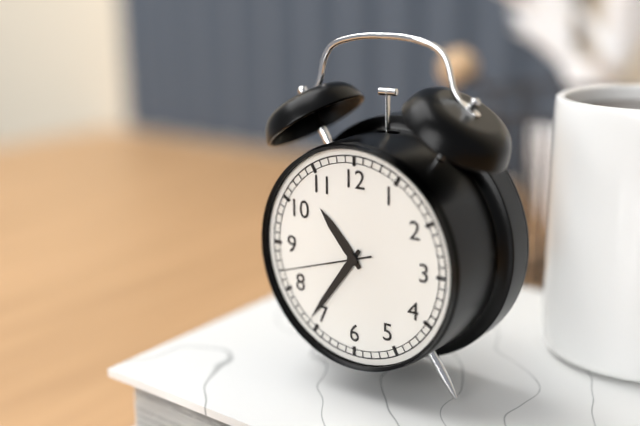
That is h=10 m=36 s=42
